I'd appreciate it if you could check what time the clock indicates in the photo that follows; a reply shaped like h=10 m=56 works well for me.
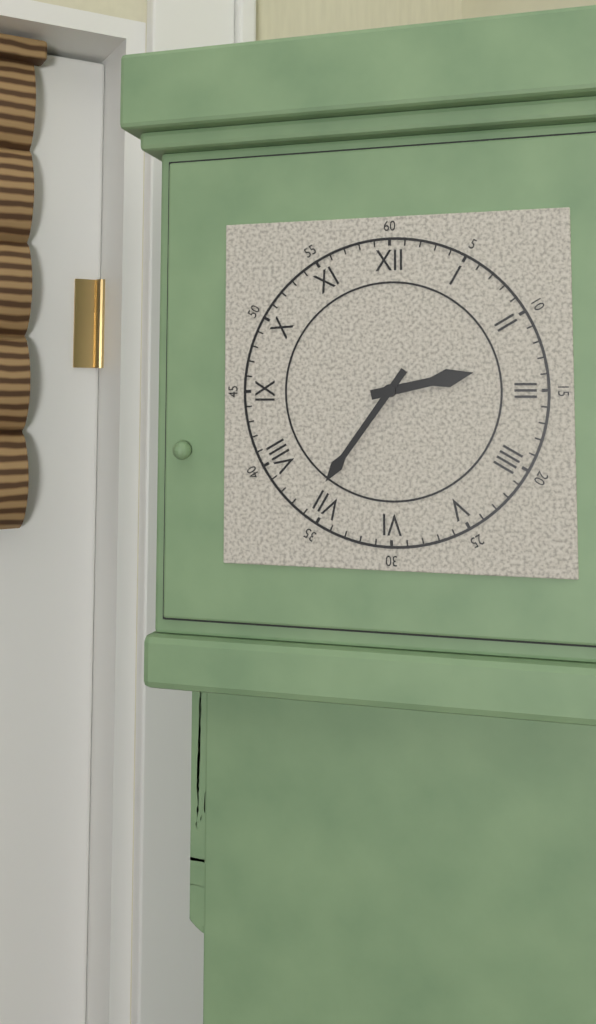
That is h=2 m=36
